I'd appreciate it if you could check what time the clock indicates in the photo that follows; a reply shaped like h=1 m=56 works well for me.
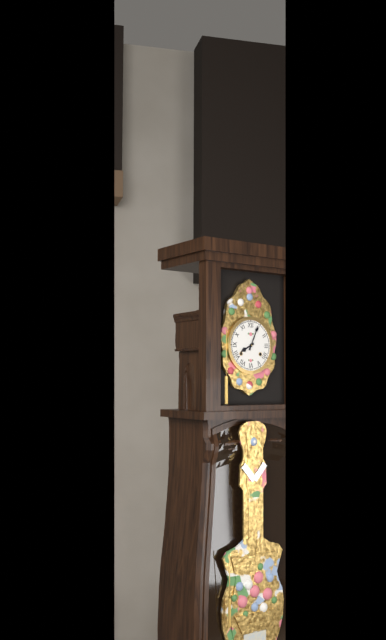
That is h=8 m=4
